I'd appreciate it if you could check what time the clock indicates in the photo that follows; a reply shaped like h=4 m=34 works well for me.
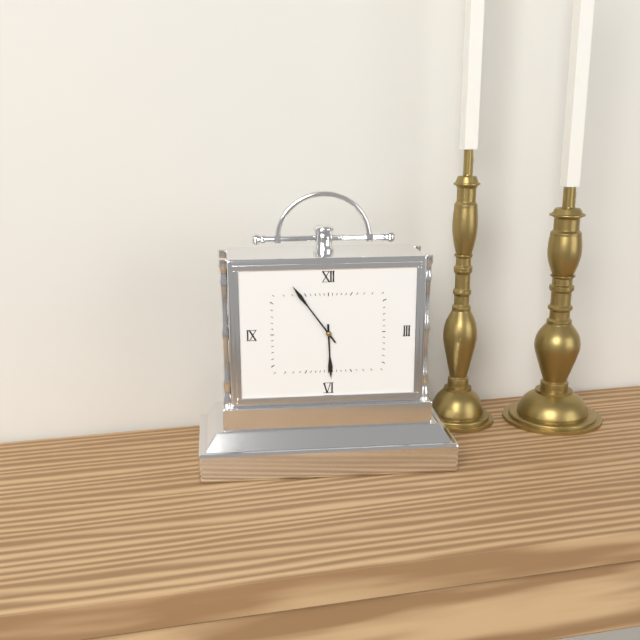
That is h=5 m=54
